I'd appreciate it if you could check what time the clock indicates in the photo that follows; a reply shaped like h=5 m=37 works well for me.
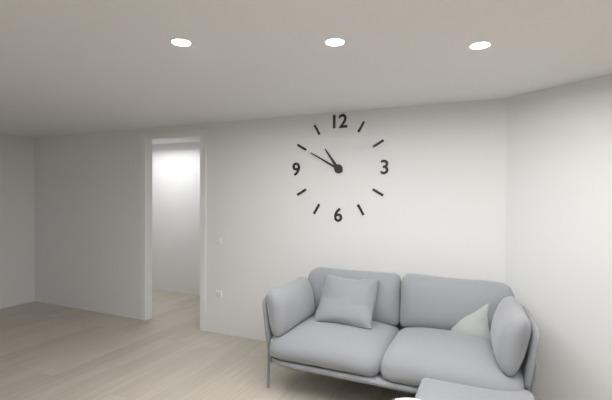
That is h=10 m=50
